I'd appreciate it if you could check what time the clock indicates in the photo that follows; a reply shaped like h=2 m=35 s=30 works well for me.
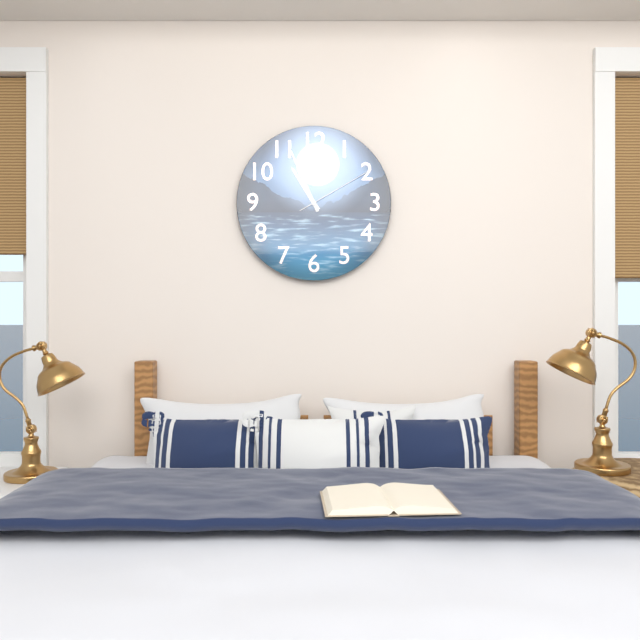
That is h=10 m=56 s=10
